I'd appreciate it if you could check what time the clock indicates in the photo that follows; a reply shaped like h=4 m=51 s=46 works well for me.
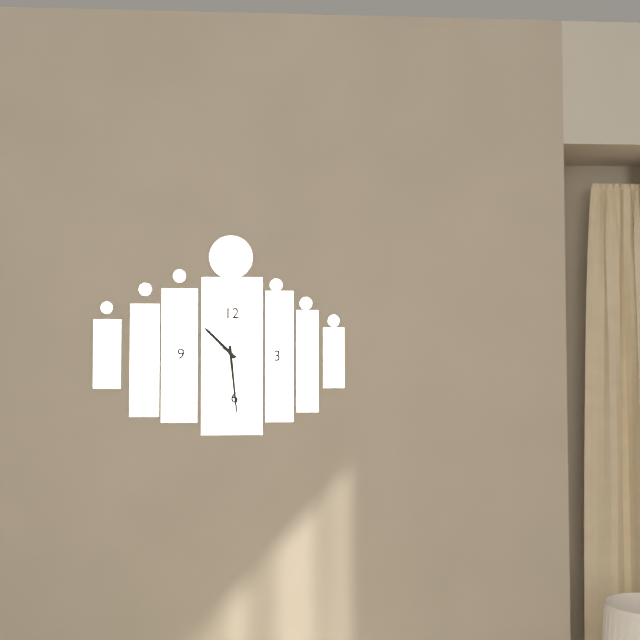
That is h=10 m=29 s=50
